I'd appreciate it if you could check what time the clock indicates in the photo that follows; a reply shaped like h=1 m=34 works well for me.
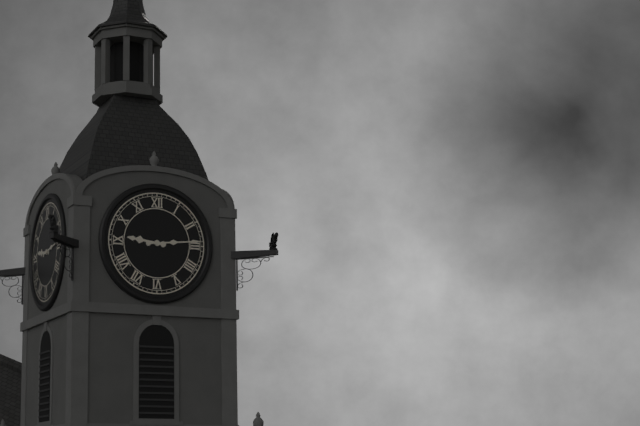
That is h=9 m=14
